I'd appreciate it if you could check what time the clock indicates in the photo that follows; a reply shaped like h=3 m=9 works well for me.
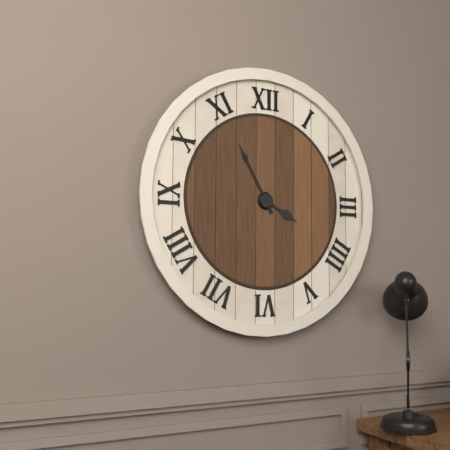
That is h=3 m=55
